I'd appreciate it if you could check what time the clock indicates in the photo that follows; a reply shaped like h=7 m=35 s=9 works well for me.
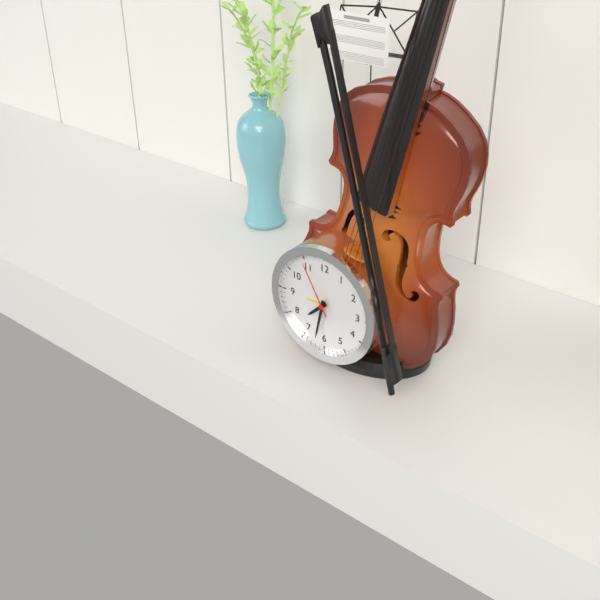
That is h=7 m=32 s=55
